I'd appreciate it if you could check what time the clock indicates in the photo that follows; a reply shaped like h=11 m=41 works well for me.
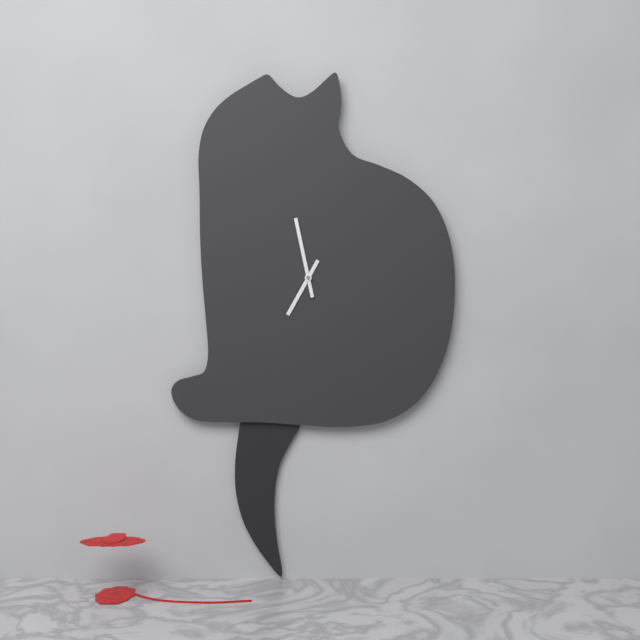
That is h=6 m=58
